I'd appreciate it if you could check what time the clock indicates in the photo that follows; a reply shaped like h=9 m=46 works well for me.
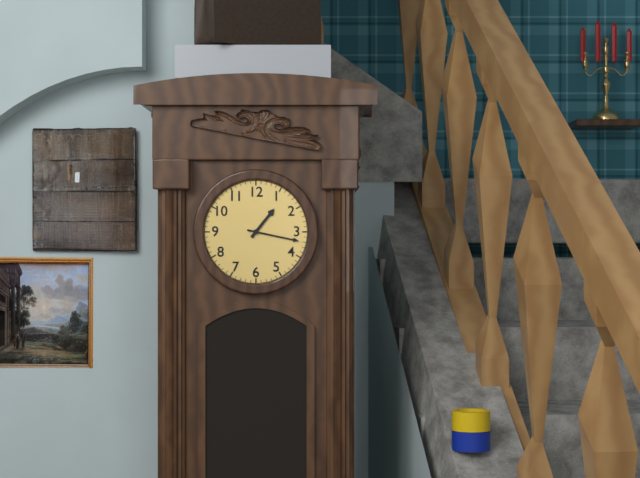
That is h=1 m=17
